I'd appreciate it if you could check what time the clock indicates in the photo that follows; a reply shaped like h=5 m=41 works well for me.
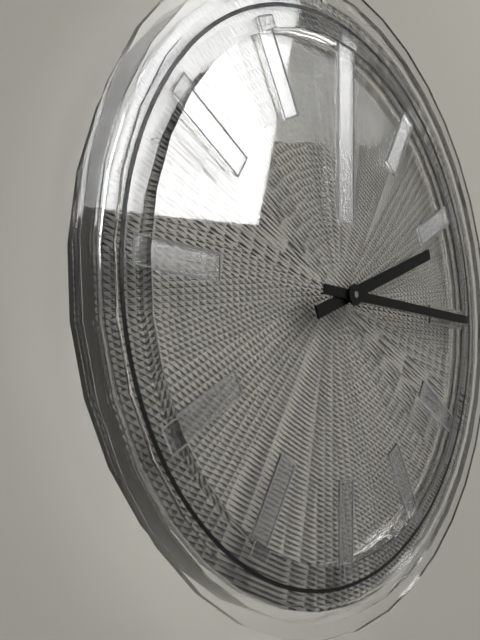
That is h=2 m=15
